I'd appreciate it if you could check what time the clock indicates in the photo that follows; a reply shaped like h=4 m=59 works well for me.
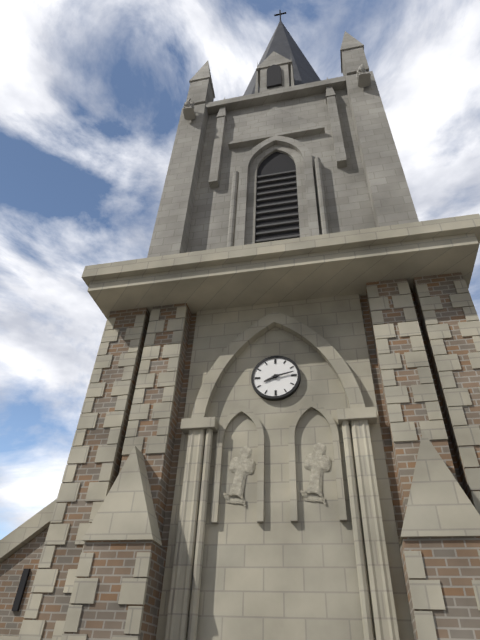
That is h=8 m=13
